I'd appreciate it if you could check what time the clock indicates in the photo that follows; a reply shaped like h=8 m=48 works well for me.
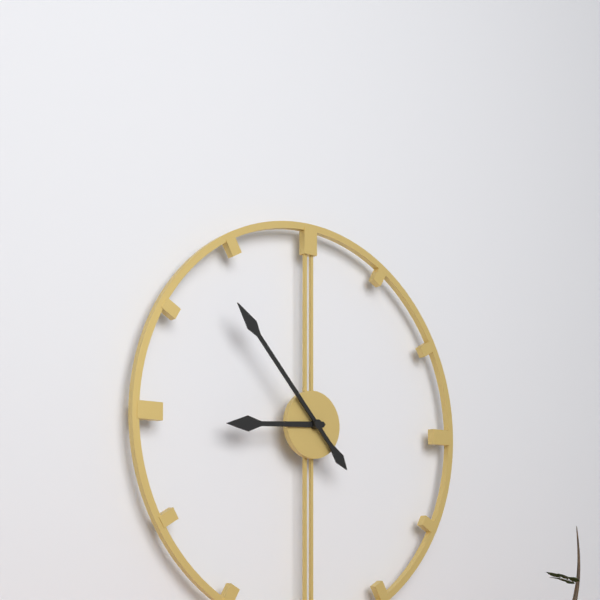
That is h=8 m=53
